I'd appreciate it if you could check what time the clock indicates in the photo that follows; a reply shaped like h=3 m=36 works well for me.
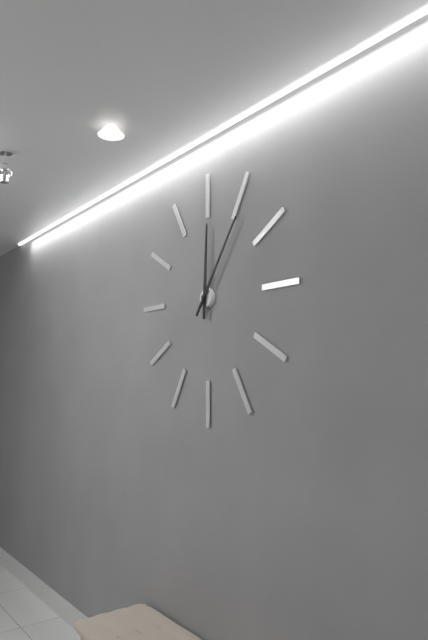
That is h=12 m=6
